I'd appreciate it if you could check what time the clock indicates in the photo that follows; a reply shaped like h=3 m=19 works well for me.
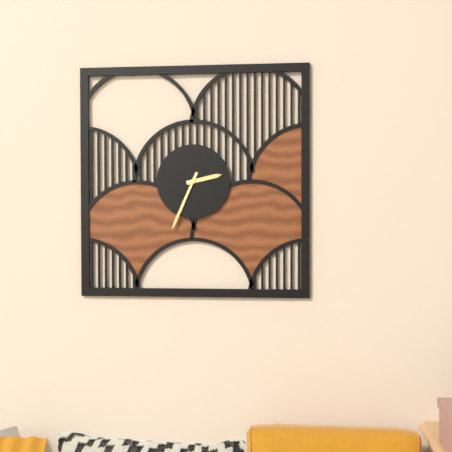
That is h=2 m=34
